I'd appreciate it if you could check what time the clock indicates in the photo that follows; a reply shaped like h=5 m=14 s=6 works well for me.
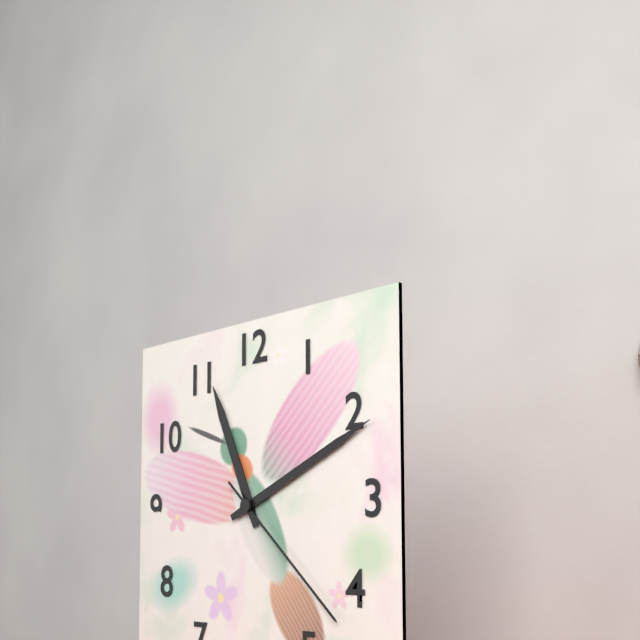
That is h=11 m=11 s=22
